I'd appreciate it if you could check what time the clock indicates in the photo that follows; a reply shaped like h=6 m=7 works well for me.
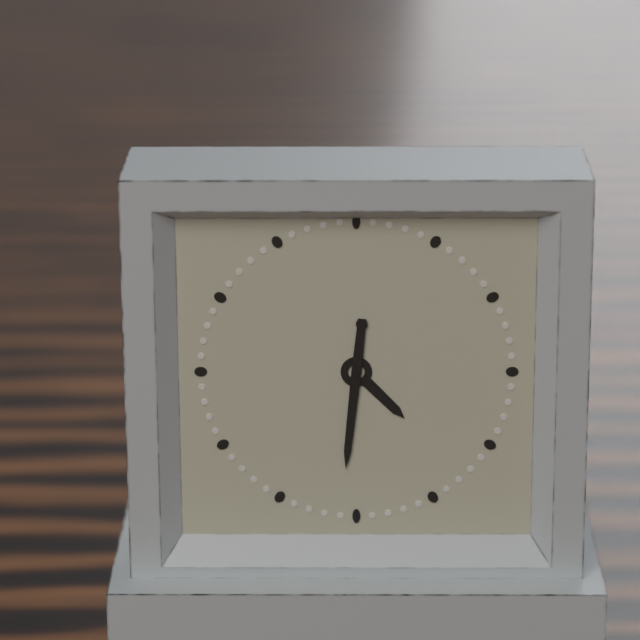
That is h=4 m=31
